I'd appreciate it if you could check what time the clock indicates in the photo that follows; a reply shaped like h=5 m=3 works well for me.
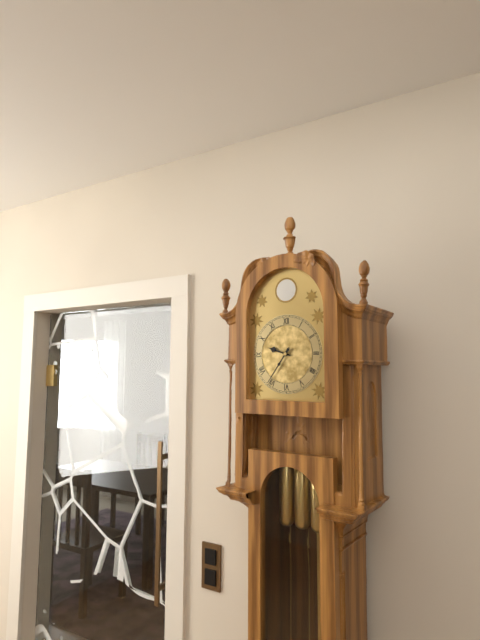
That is h=9 m=36
